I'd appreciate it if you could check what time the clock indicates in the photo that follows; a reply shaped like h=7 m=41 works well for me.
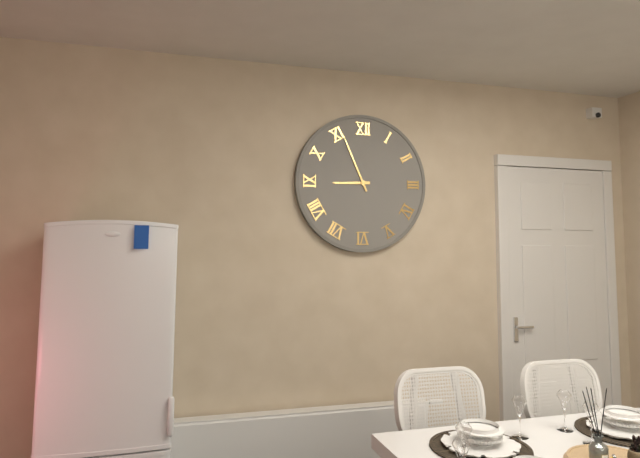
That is h=8 m=56
